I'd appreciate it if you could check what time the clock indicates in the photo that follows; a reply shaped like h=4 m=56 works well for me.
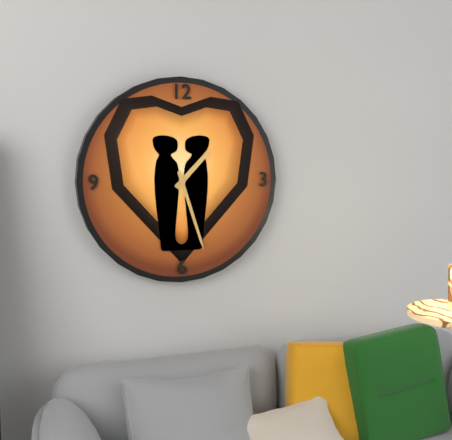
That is h=1 m=27
